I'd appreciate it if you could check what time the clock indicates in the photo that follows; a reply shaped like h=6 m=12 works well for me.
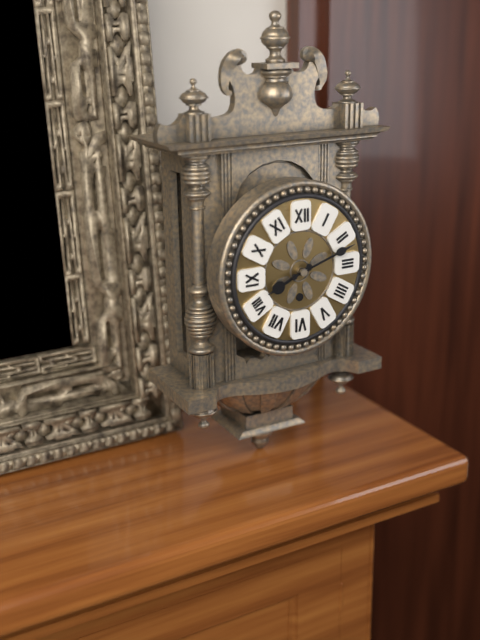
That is h=8 m=12
